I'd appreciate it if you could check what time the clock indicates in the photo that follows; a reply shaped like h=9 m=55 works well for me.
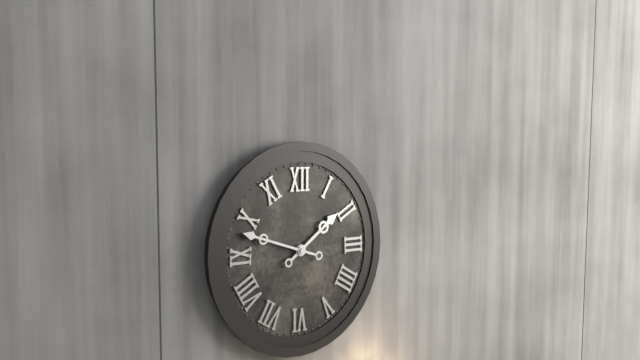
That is h=1 m=48
